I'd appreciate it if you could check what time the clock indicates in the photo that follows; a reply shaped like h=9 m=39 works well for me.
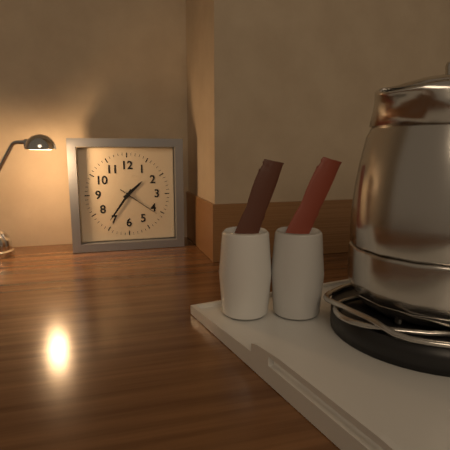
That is h=1 m=36
